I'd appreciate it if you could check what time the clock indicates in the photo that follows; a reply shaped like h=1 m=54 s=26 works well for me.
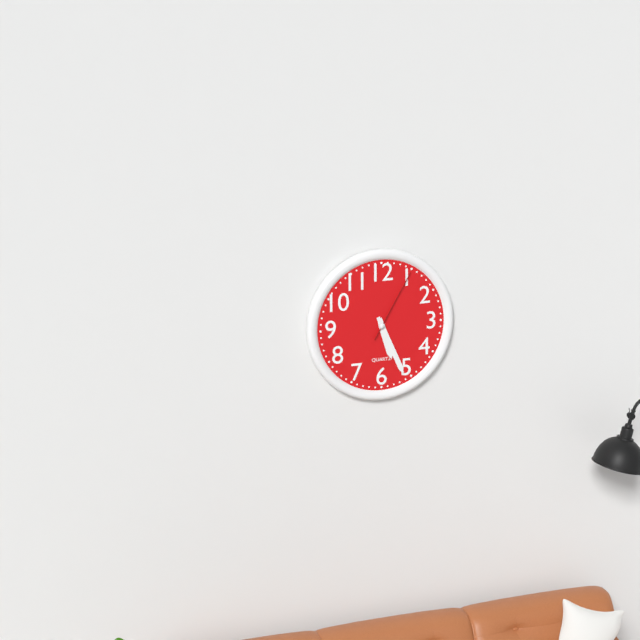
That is h=5 m=26 s=5
